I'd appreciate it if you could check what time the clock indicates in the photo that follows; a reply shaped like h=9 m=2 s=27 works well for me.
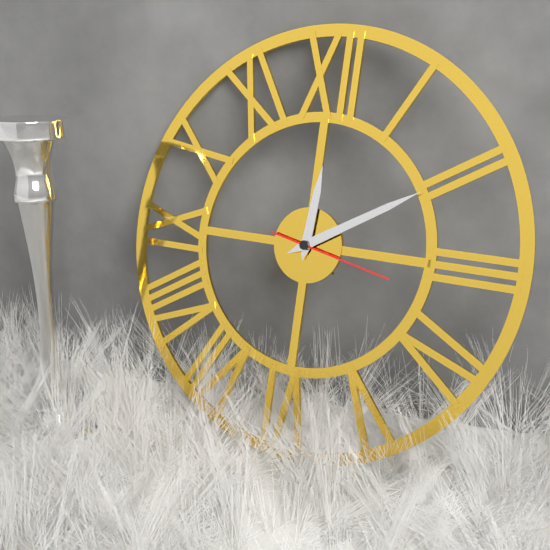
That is h=12 m=10 s=17
